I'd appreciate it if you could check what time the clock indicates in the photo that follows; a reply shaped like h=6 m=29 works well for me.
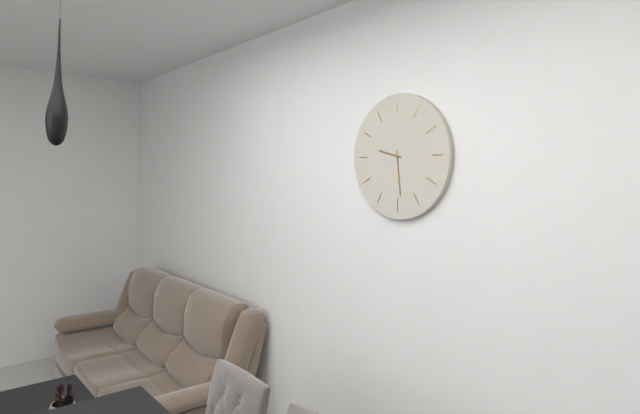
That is h=9 m=29
